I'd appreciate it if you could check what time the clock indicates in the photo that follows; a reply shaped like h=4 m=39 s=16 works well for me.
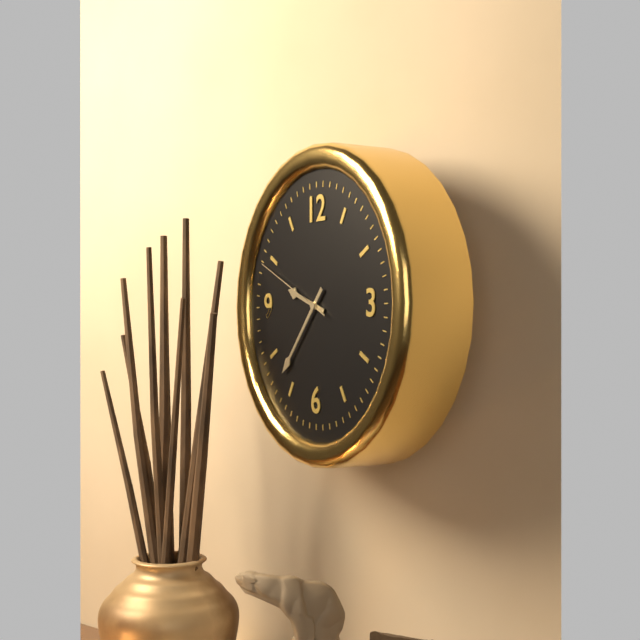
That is h=9 m=37 s=49
